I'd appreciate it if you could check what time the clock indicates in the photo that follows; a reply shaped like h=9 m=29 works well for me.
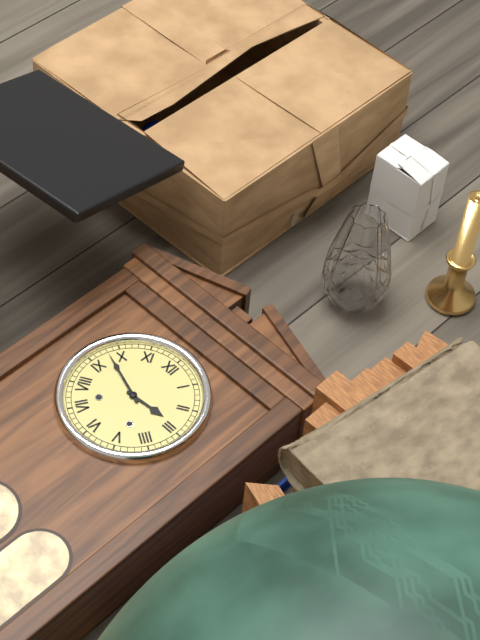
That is h=2 m=48
